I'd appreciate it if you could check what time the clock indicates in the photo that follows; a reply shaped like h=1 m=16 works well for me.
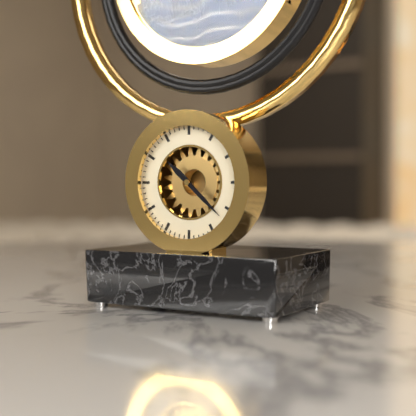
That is h=10 m=22
